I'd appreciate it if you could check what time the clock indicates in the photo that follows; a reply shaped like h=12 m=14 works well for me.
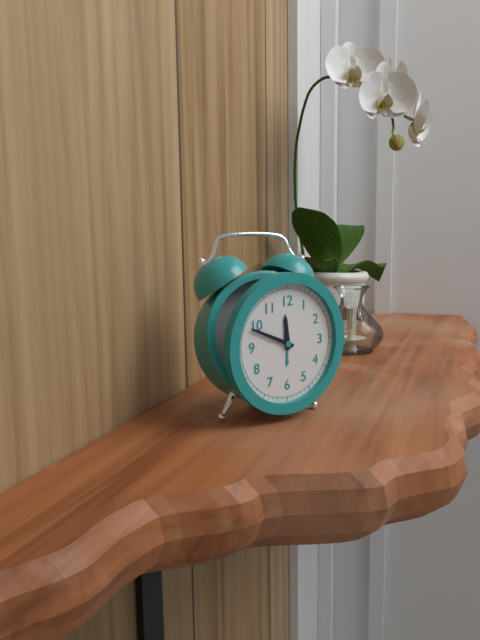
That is h=11 m=49
